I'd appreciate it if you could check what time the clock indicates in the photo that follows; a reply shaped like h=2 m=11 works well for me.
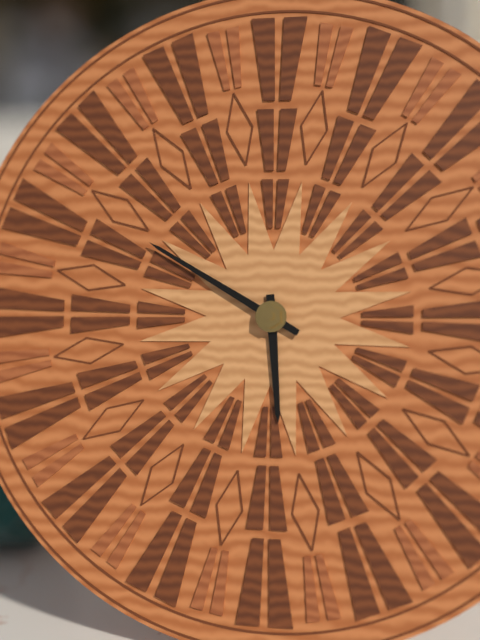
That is h=5 m=50
